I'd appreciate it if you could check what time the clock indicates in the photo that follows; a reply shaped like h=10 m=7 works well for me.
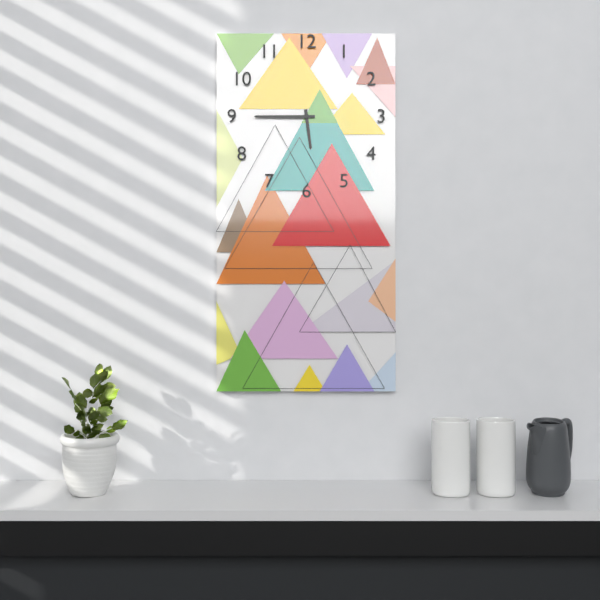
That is h=5 m=45
